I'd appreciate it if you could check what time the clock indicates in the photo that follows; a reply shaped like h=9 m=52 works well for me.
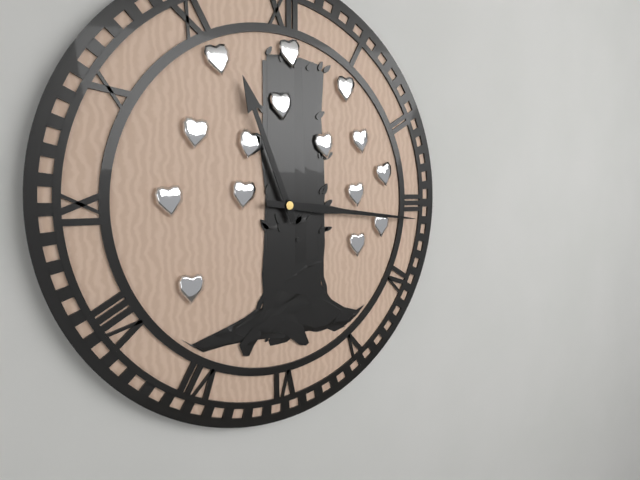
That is h=11 m=16
